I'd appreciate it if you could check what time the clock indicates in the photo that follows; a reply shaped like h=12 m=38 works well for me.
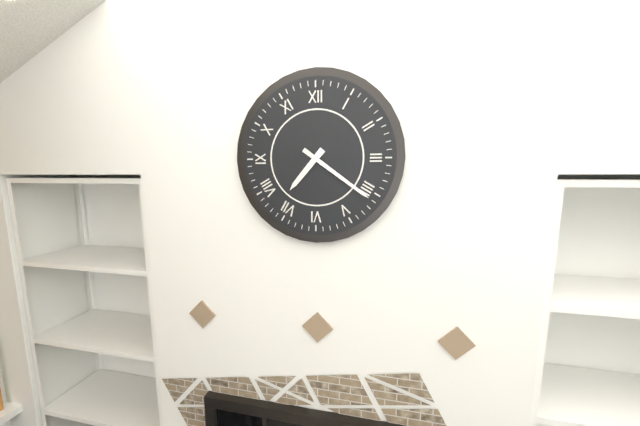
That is h=7 m=21
